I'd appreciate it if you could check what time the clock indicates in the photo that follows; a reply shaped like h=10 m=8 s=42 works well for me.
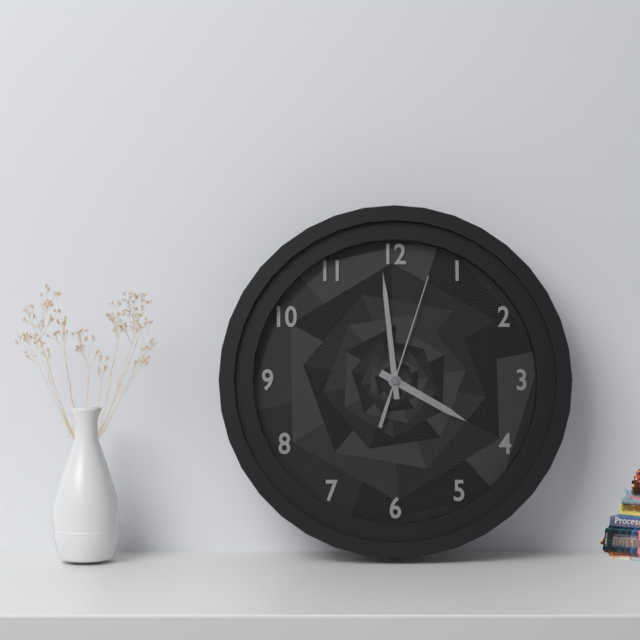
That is h=3 m=59 s=3
